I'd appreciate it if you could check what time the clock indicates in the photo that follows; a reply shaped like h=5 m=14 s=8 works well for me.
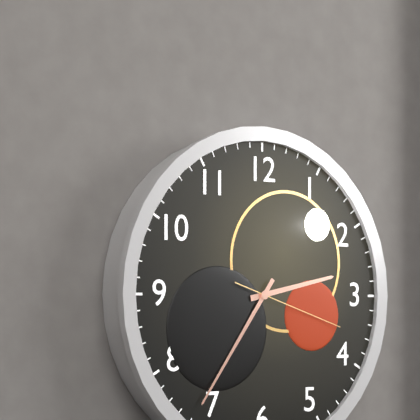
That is h=2 m=36 s=18
